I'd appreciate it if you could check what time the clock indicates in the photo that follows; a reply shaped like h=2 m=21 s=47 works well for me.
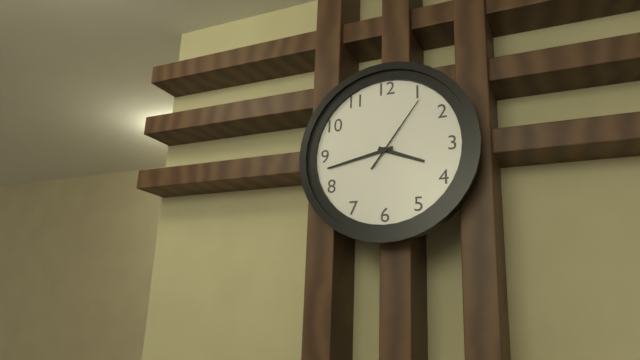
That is h=3 m=43 s=6
